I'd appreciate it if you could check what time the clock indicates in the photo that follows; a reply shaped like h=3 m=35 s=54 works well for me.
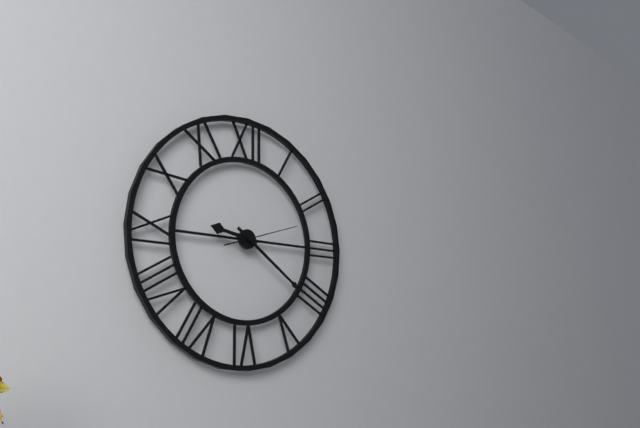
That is h=9 m=21 s=12
